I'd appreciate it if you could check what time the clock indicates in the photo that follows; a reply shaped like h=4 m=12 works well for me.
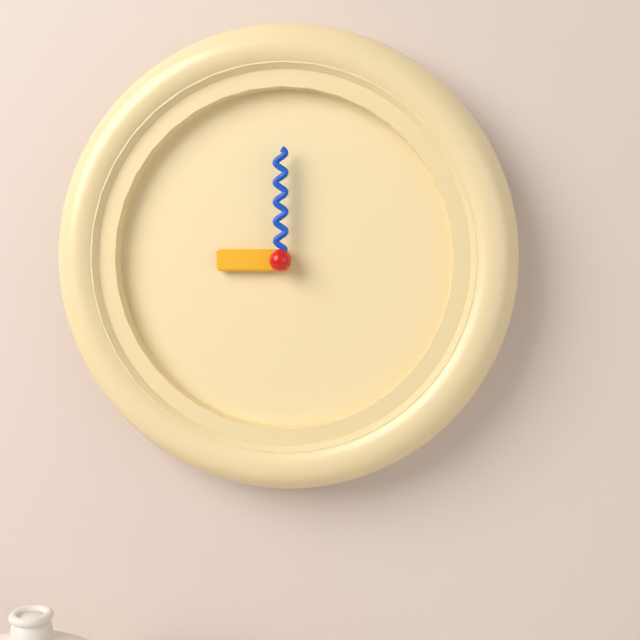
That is h=9 m=0
